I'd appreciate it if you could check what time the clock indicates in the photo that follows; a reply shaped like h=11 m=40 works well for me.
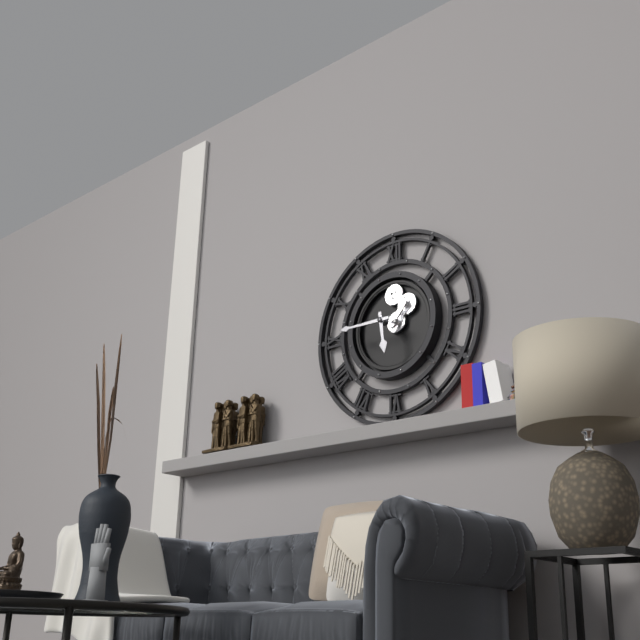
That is h=5 m=45
